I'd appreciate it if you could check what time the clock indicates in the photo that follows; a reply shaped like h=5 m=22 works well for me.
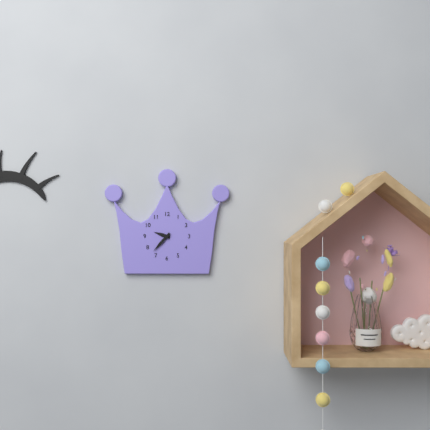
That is h=9 m=37
